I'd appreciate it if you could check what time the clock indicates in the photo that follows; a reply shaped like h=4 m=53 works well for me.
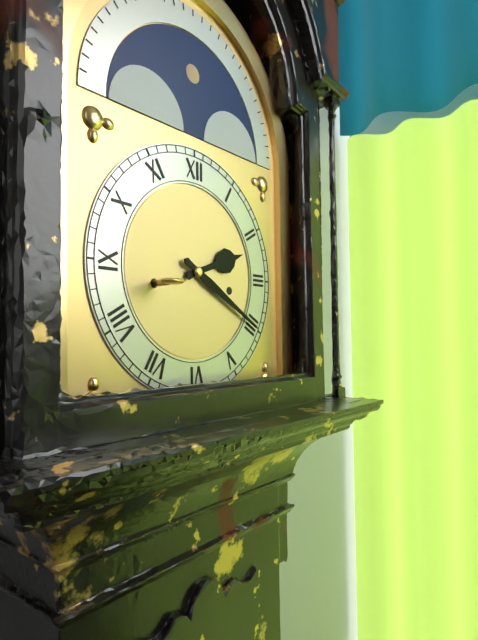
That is h=2 m=20
